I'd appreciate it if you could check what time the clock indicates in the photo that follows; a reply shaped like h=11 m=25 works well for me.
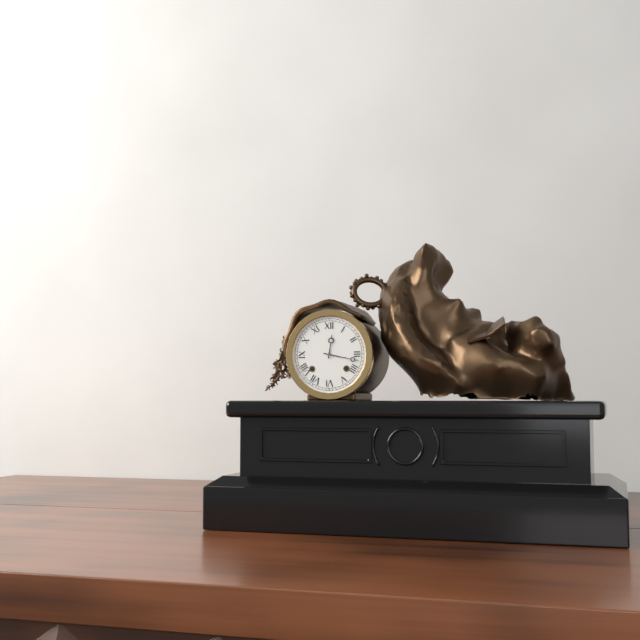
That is h=12 m=17
